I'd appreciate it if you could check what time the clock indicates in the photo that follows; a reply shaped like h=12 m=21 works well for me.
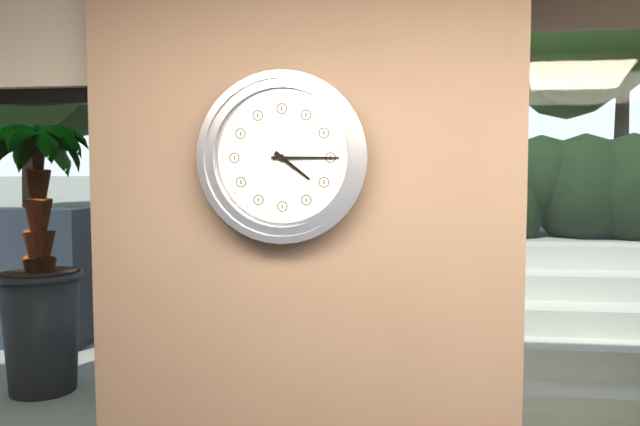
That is h=4 m=15
